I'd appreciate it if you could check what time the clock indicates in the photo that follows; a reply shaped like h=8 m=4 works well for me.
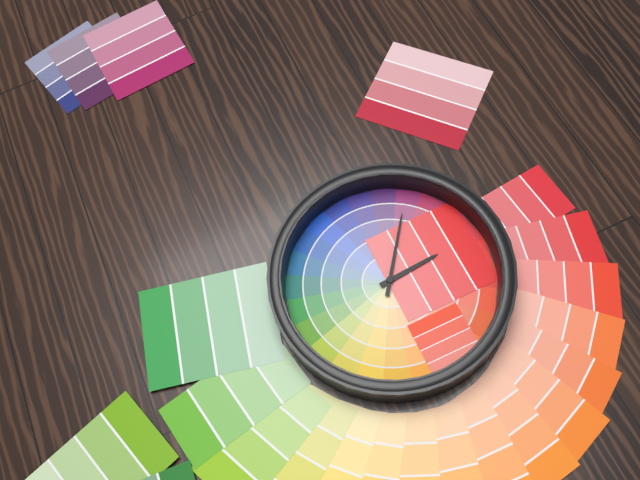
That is h=11 m=51
